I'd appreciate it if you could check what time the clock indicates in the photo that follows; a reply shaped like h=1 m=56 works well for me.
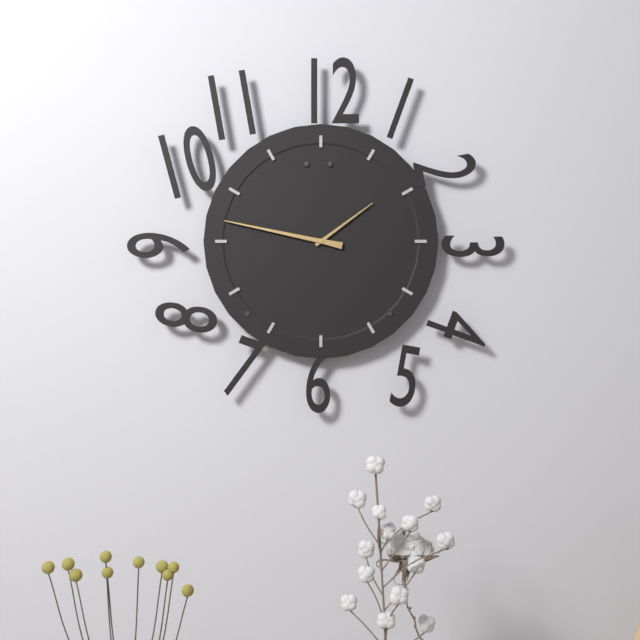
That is h=1 m=47
